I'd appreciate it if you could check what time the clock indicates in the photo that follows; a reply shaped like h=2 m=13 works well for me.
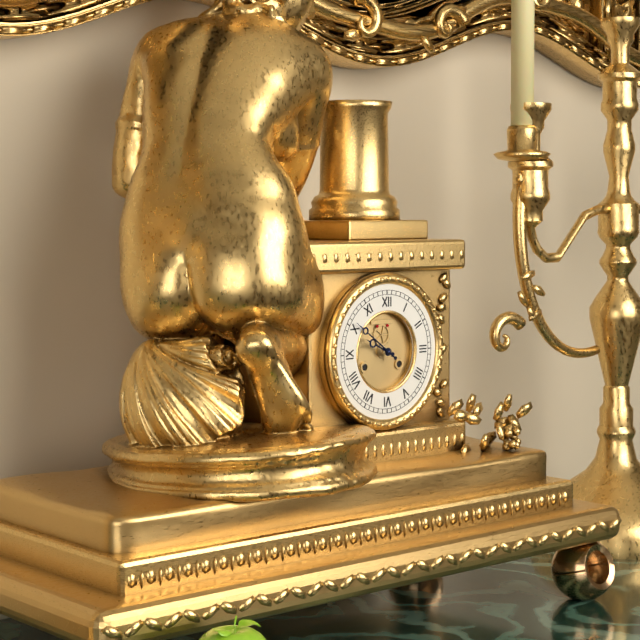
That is h=9 m=51
